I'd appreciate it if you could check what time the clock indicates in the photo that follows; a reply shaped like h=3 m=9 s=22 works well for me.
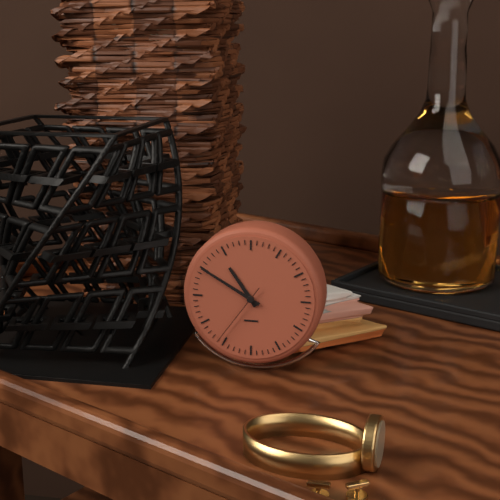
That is h=10 m=50 s=36
